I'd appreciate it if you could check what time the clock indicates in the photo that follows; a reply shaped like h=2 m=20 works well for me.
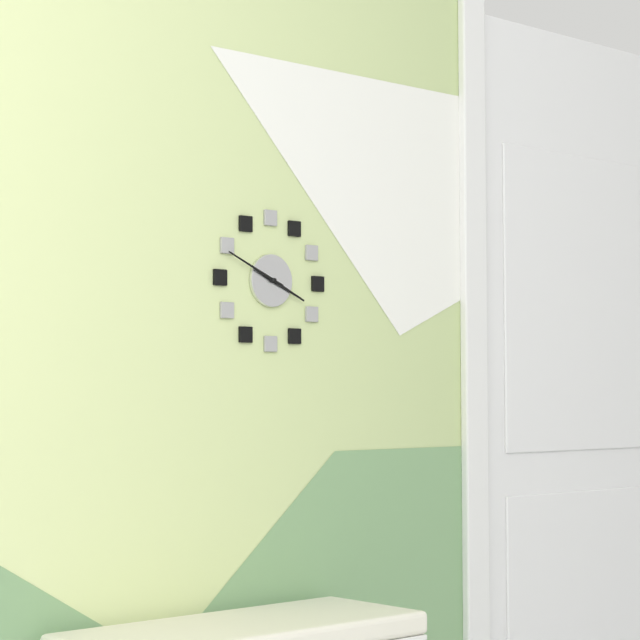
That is h=3 m=49
